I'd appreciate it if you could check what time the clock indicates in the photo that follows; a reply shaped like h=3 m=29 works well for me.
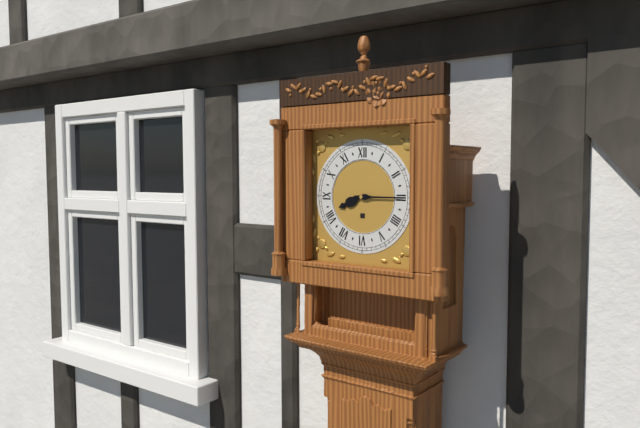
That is h=8 m=15
